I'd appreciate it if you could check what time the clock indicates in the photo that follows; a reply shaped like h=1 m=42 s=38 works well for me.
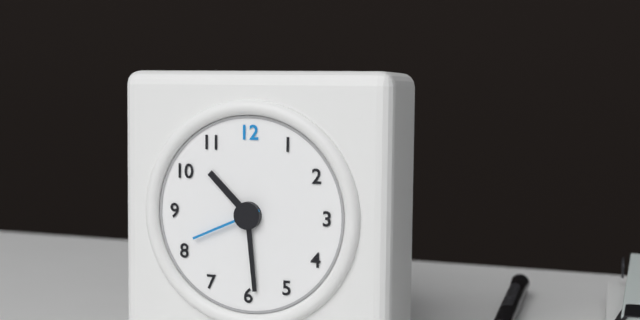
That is h=10 m=29 s=41
